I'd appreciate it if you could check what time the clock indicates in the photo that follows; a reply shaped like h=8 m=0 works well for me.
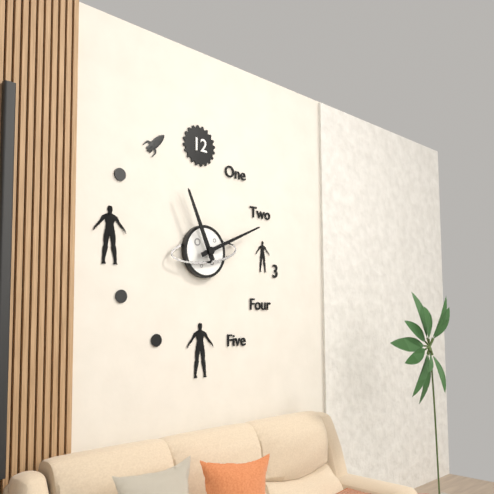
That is h=11 m=11
